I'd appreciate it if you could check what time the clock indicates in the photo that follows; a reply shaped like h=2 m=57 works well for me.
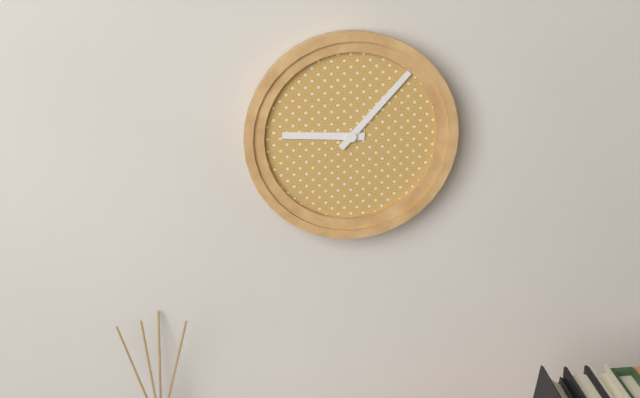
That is h=9 m=7
